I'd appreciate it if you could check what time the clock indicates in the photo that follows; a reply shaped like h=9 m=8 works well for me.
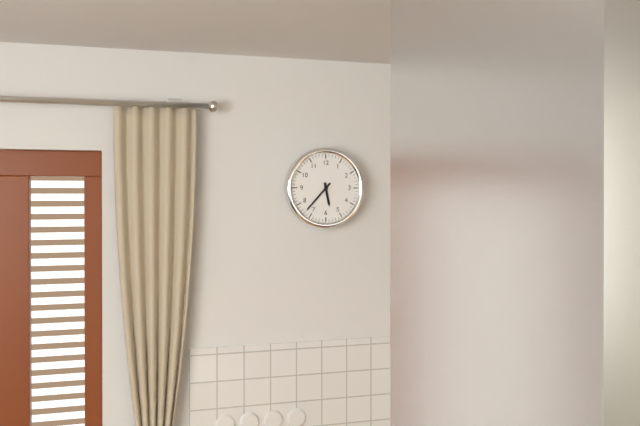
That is h=5 m=37
